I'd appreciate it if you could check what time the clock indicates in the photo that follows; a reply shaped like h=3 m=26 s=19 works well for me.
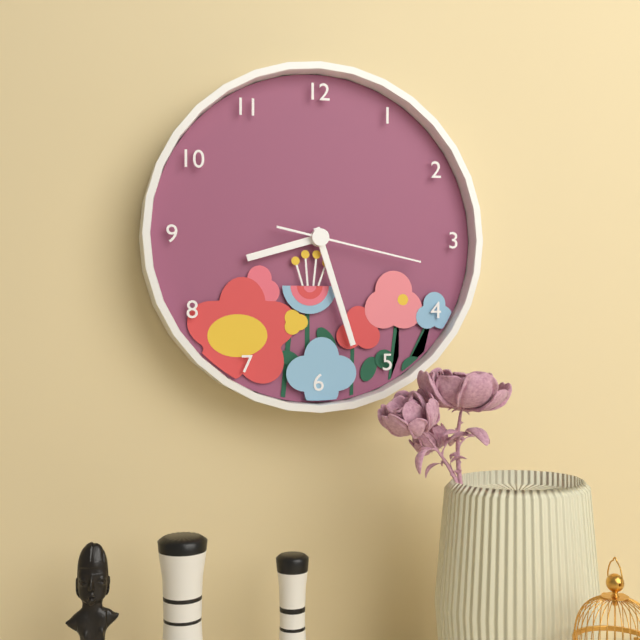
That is h=8 m=27 s=17
